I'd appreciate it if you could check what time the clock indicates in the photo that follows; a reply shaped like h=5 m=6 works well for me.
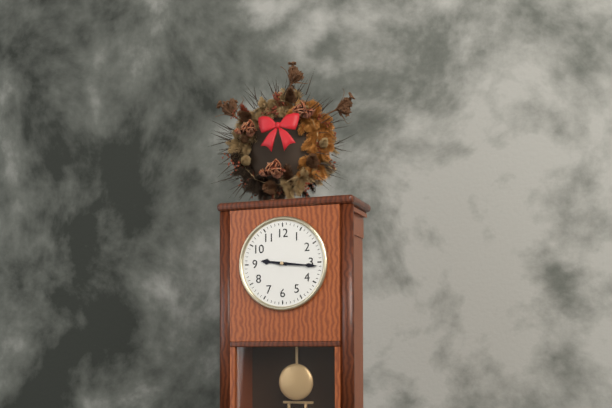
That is h=9 m=16
